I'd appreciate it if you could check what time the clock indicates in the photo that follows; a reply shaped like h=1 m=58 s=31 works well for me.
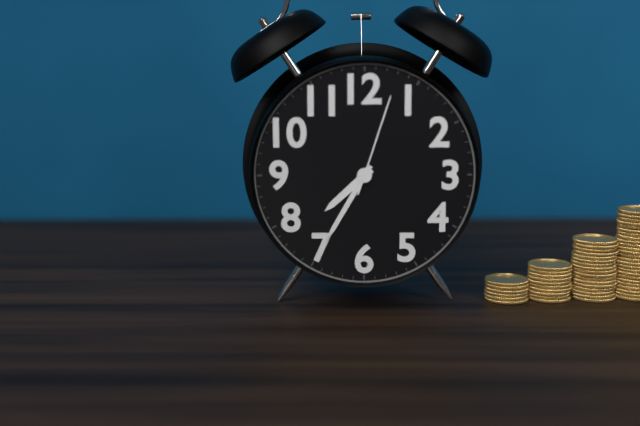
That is h=7 m=35 s=3
